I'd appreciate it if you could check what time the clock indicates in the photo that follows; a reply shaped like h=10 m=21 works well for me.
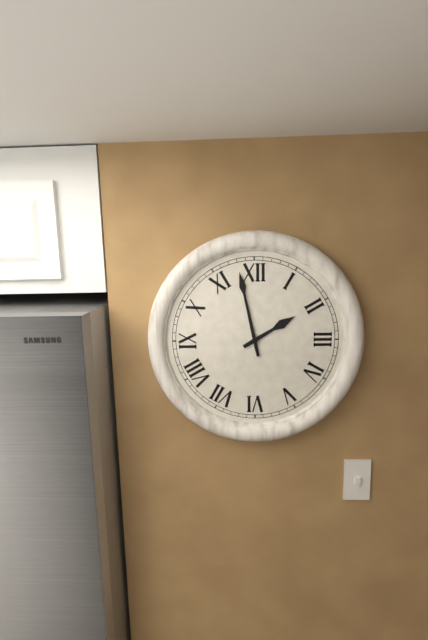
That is h=1 m=58
